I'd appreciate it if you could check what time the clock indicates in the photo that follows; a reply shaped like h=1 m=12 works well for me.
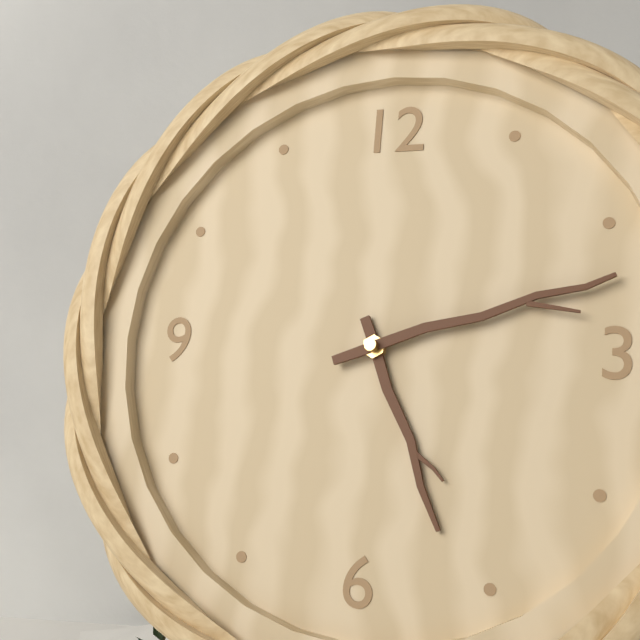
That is h=5 m=12
